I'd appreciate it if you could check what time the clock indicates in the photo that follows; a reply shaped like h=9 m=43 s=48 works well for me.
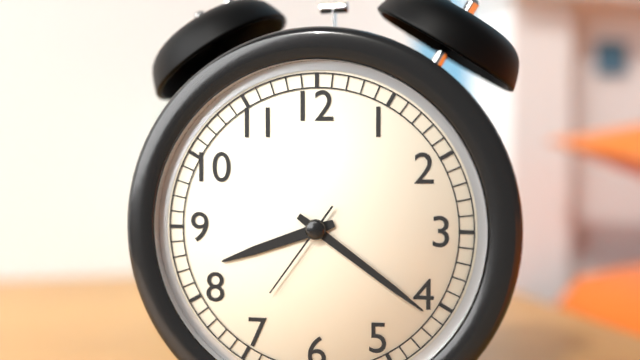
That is h=8 m=21 s=36
